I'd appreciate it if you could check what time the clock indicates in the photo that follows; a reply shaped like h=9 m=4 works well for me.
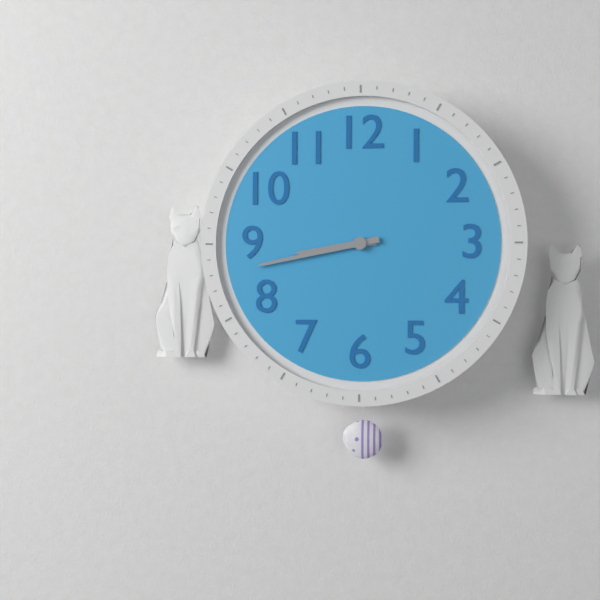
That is h=8 m=43
